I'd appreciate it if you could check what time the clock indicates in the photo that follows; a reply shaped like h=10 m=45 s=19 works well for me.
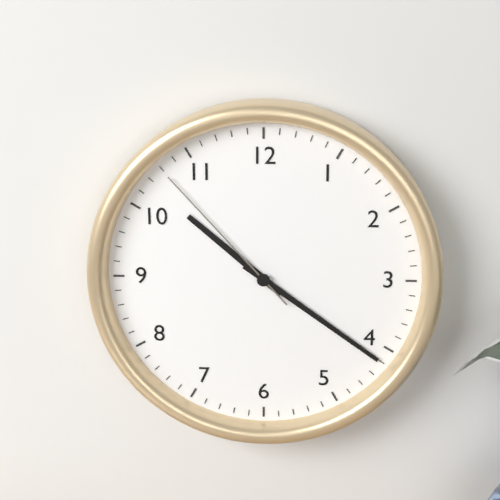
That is h=10 m=21 s=53
